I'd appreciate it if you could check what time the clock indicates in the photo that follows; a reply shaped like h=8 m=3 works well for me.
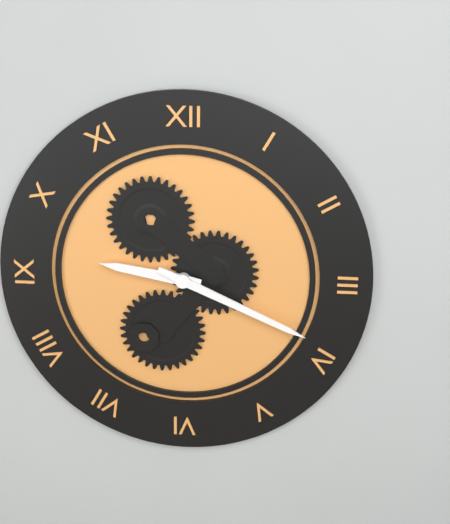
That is h=9 m=19
